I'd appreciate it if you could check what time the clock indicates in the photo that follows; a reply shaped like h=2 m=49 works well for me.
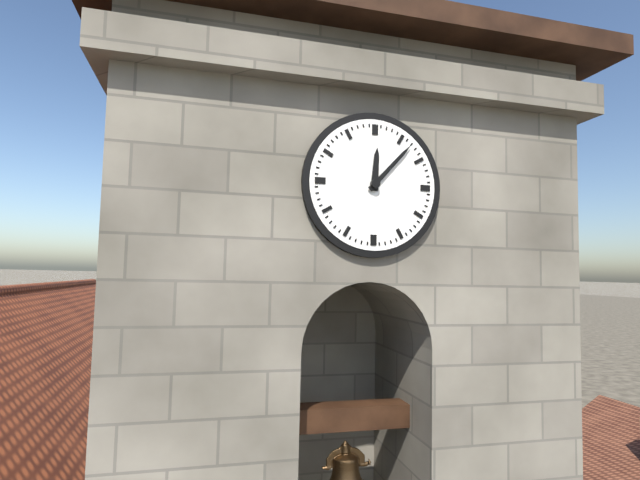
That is h=12 m=7
